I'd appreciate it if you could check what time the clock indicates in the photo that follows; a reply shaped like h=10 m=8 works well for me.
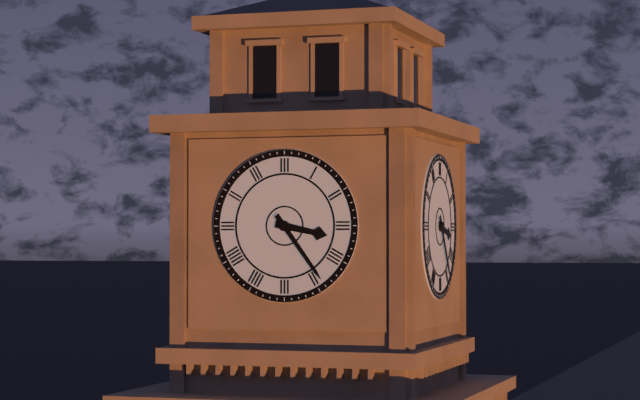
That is h=3 m=24
